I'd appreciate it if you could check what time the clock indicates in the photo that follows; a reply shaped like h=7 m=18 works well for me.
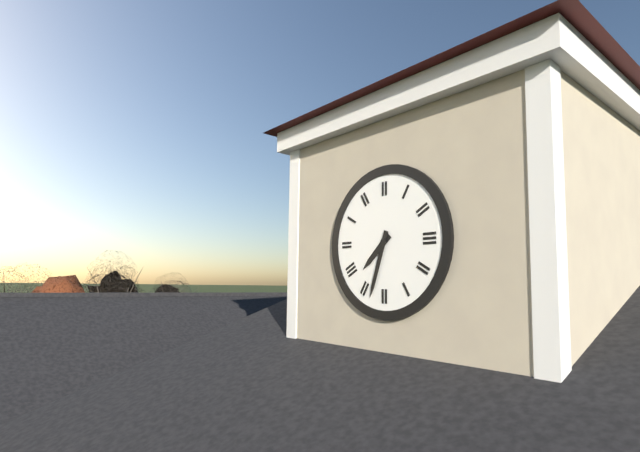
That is h=7 m=33
